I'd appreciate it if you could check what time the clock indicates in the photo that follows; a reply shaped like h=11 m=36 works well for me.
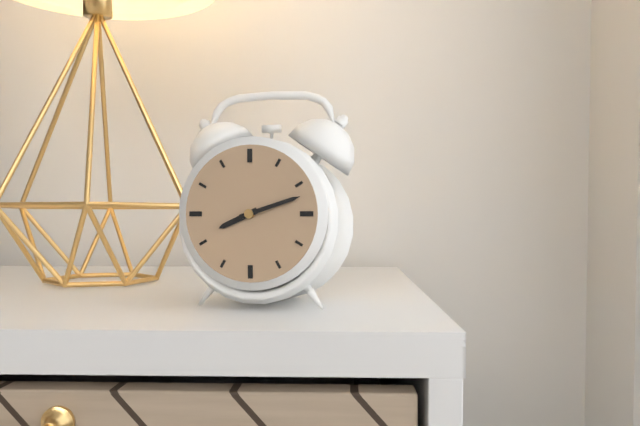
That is h=8 m=12
